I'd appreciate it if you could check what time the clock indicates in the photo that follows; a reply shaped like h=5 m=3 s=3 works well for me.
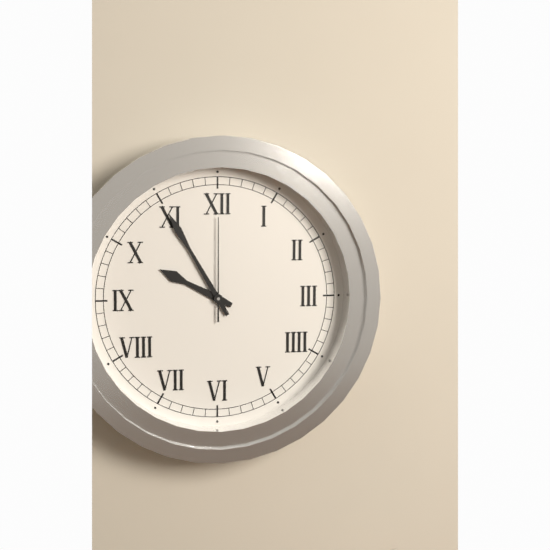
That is h=9 m=55 s=0
